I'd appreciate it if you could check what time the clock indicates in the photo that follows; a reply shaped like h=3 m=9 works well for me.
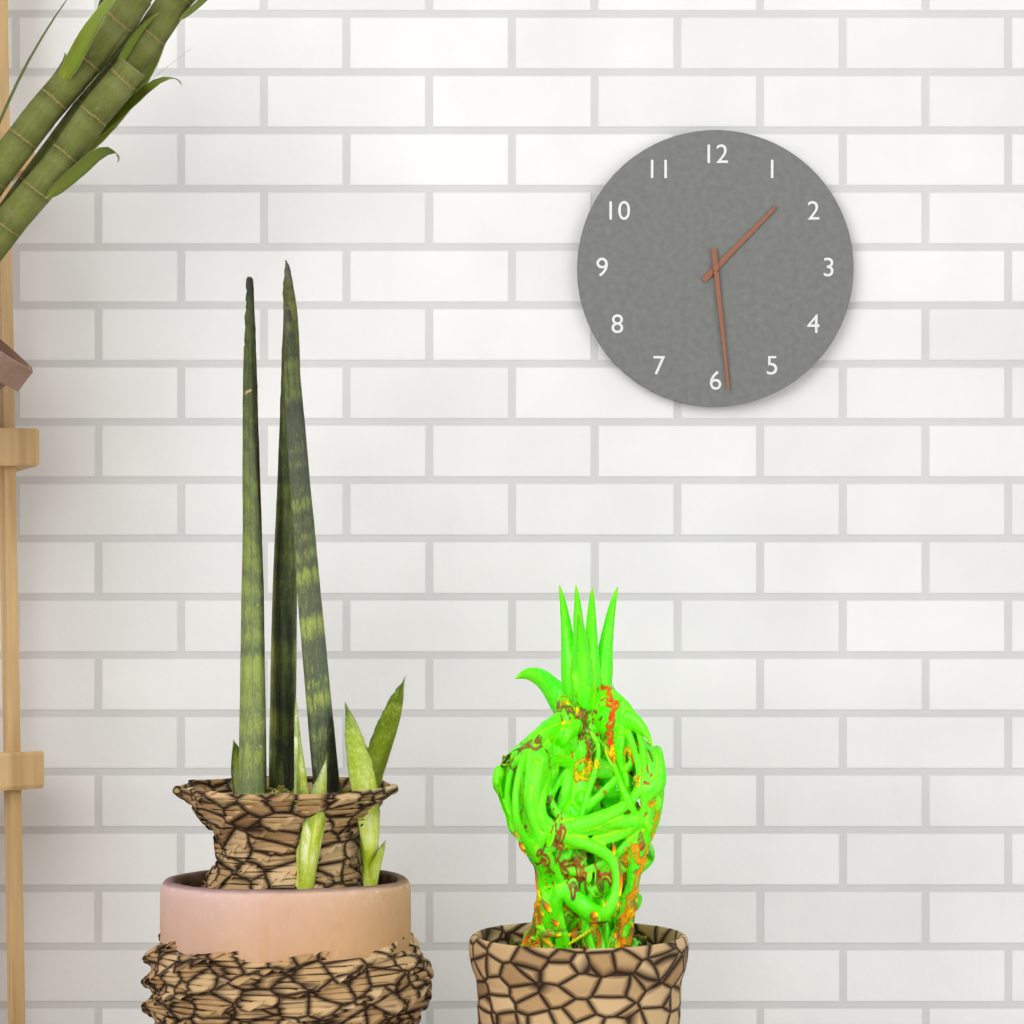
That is h=1 m=29
